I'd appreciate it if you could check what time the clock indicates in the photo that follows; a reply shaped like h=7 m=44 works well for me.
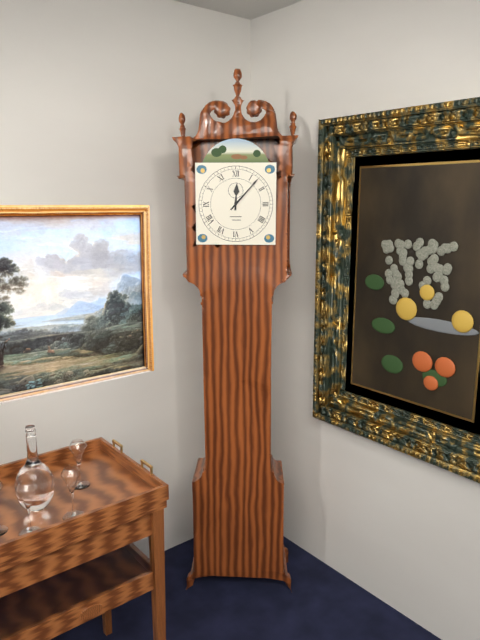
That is h=12 m=7
